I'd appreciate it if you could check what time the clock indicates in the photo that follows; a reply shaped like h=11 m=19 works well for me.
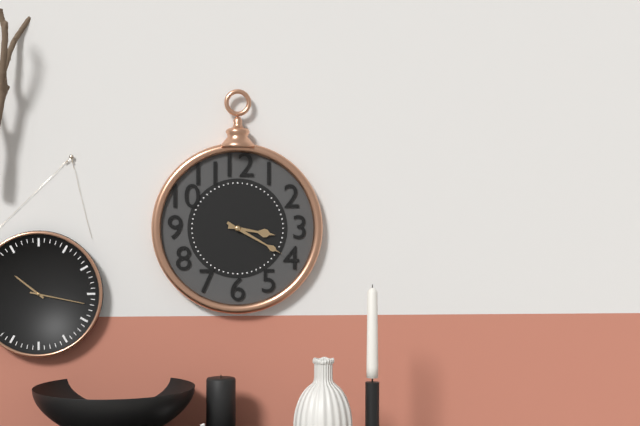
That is h=3 m=20
